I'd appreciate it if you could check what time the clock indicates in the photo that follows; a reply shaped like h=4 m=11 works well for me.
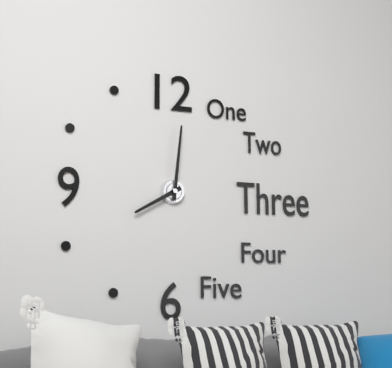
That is h=8 m=1
